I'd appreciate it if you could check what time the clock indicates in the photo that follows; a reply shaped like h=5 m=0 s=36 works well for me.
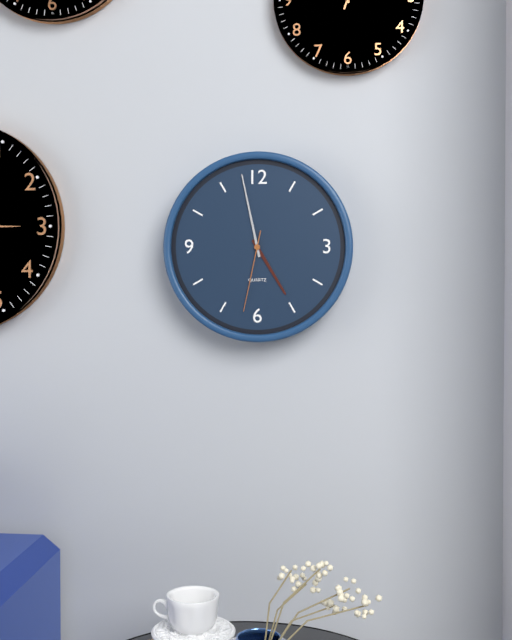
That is h=4 m=58 s=32
